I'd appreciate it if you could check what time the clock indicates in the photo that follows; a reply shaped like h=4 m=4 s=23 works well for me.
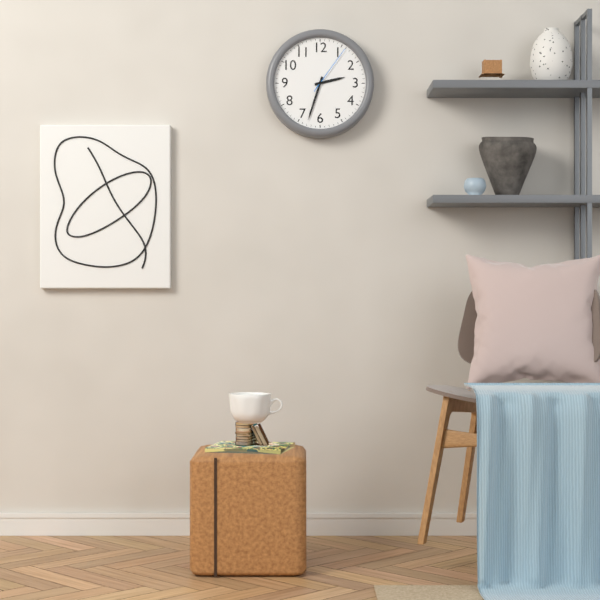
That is h=2 m=33 s=6
